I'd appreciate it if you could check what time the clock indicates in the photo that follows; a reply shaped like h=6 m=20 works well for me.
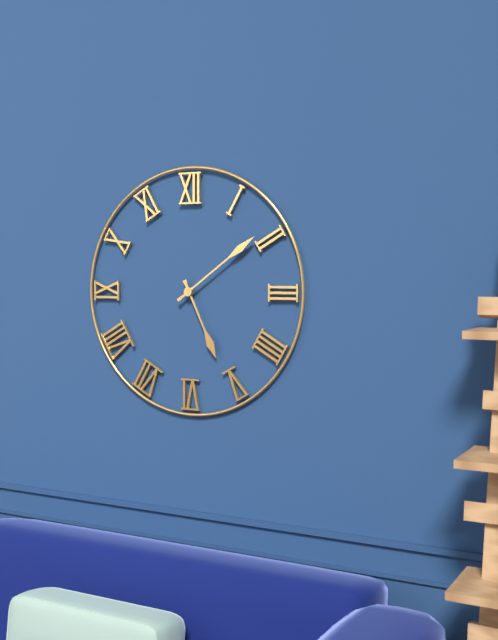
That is h=5 m=9
